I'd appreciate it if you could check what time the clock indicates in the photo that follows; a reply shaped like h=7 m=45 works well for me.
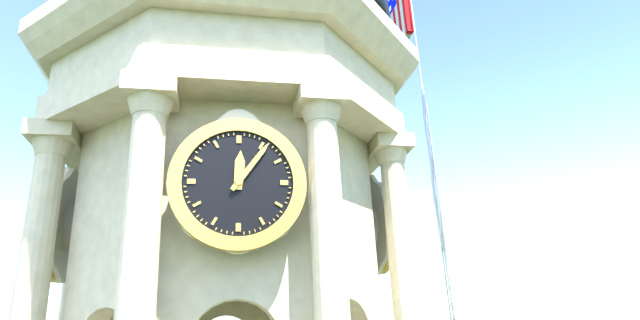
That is h=12 m=6
